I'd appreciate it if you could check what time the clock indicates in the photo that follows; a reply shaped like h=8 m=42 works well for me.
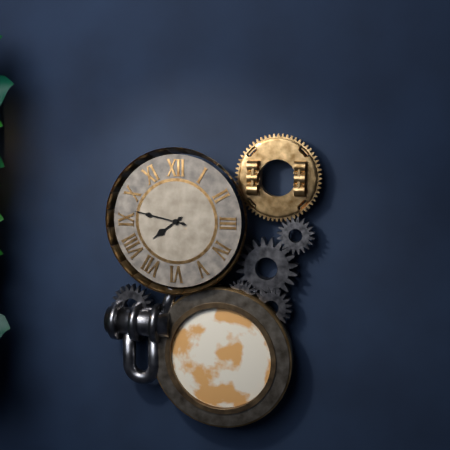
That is h=7 m=47
